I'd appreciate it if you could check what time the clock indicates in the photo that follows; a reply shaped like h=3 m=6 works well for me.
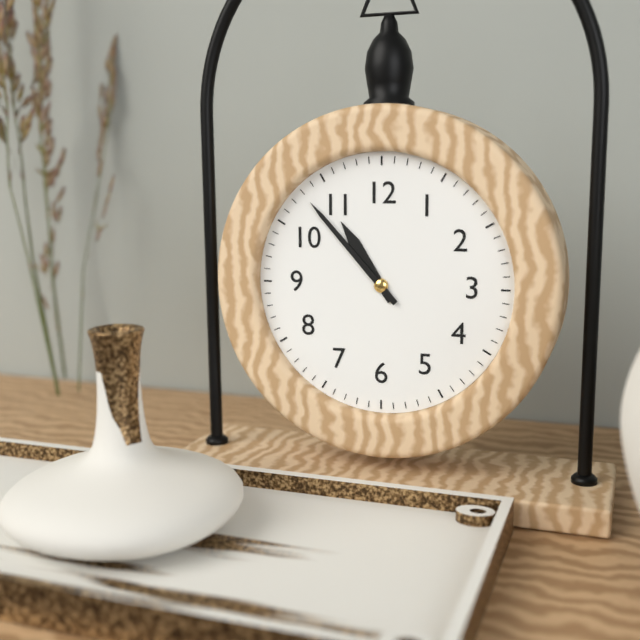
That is h=10 m=53
